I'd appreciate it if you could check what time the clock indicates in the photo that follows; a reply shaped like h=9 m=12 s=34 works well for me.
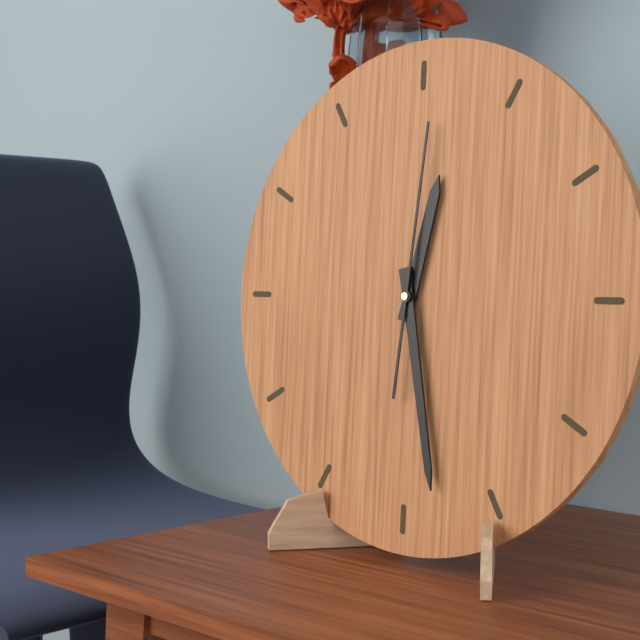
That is h=12 m=28 s=1
